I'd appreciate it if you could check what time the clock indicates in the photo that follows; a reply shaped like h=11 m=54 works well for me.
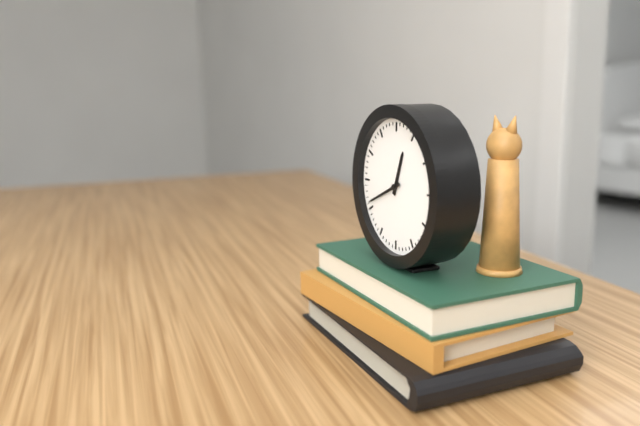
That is h=12 m=41
